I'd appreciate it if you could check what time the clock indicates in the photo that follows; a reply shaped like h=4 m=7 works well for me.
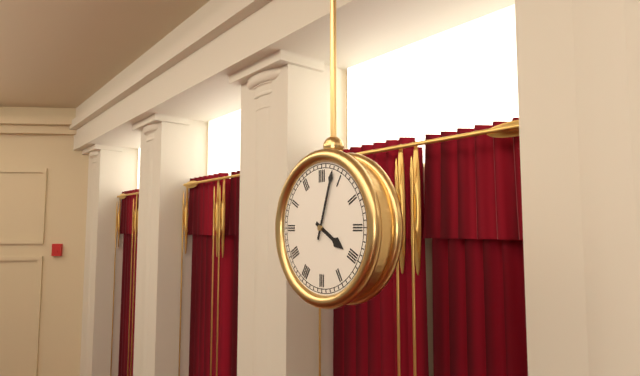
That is h=4 m=3
